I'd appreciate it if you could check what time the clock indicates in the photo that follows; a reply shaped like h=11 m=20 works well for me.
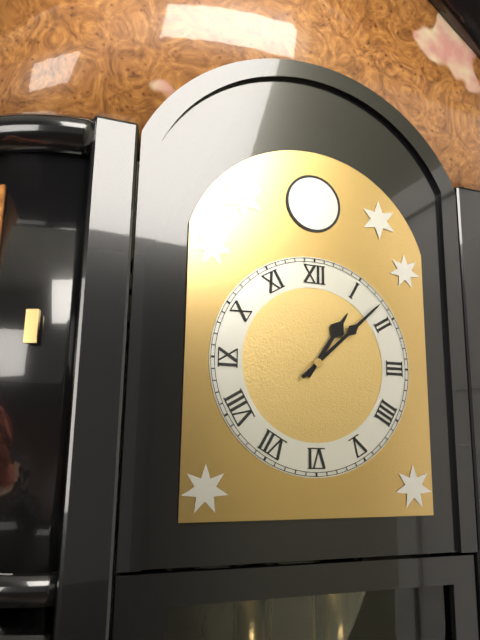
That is h=1 m=8
